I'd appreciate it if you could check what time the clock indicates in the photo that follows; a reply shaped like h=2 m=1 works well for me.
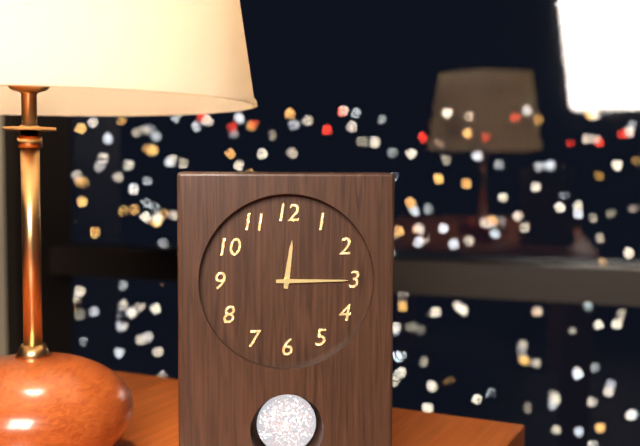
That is h=12 m=15
